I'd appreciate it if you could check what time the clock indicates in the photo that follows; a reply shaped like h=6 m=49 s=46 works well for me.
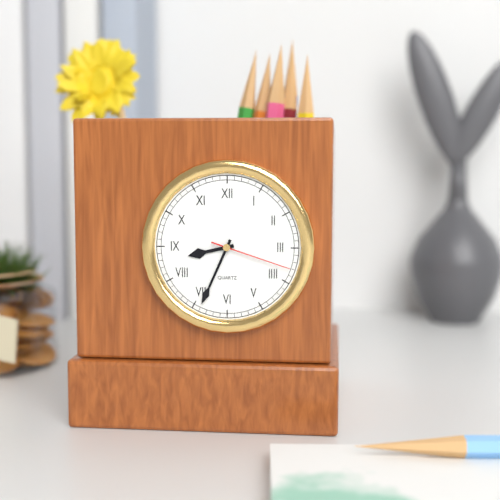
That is h=8 m=34 s=18
